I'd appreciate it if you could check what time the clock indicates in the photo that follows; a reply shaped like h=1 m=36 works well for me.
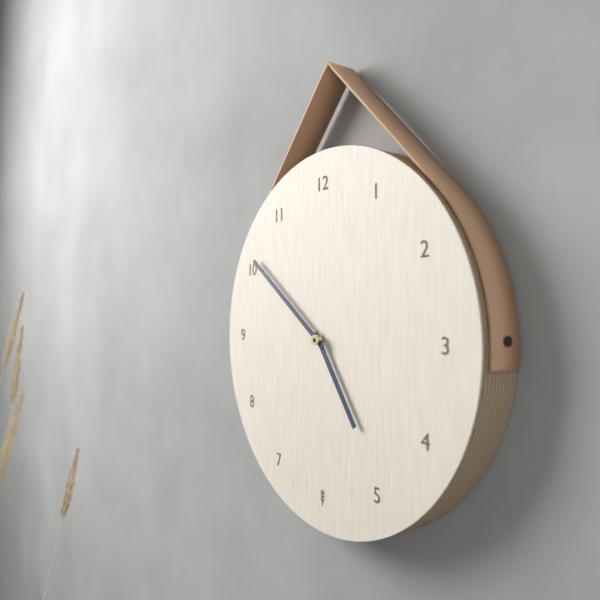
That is h=4 m=51
